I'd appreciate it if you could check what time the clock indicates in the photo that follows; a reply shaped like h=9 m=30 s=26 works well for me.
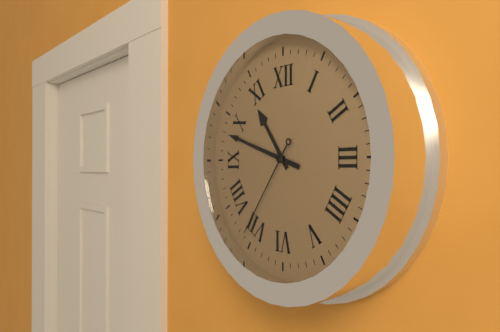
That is h=10 m=48 s=36
